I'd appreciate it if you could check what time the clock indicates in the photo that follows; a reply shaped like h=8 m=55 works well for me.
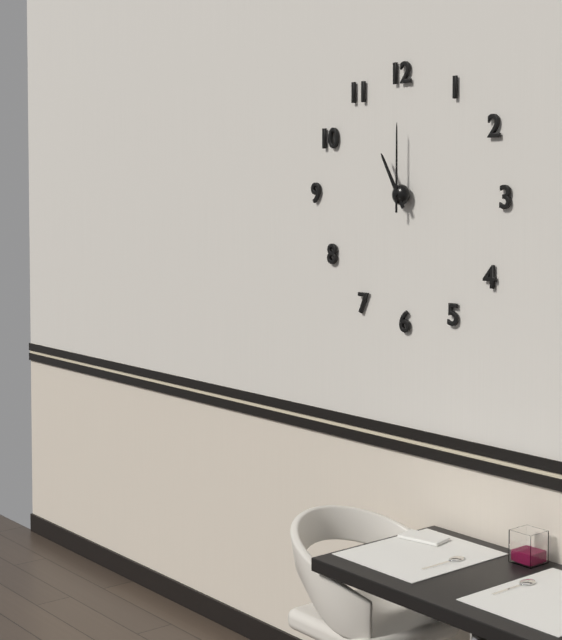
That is h=11 m=0
